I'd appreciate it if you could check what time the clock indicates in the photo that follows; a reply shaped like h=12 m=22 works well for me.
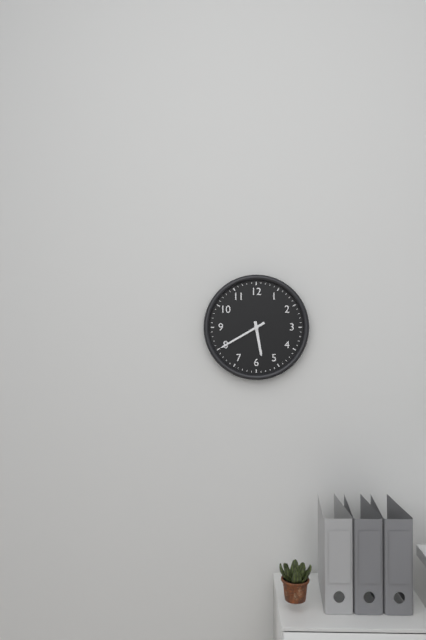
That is h=5 m=40
